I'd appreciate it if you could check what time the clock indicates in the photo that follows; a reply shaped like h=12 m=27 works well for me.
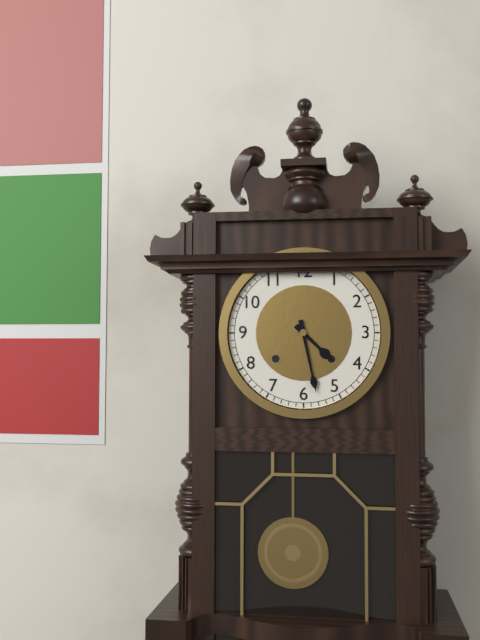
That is h=4 m=28
